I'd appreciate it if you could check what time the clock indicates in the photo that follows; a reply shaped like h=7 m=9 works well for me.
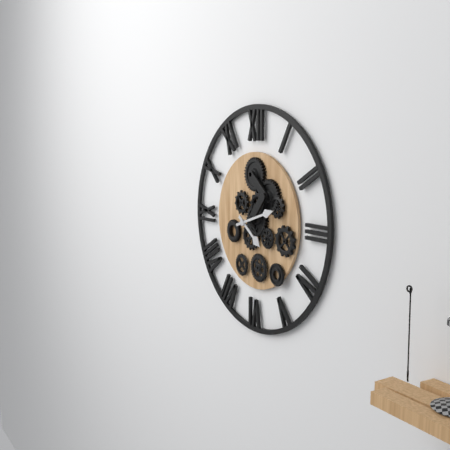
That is h=4 m=12
